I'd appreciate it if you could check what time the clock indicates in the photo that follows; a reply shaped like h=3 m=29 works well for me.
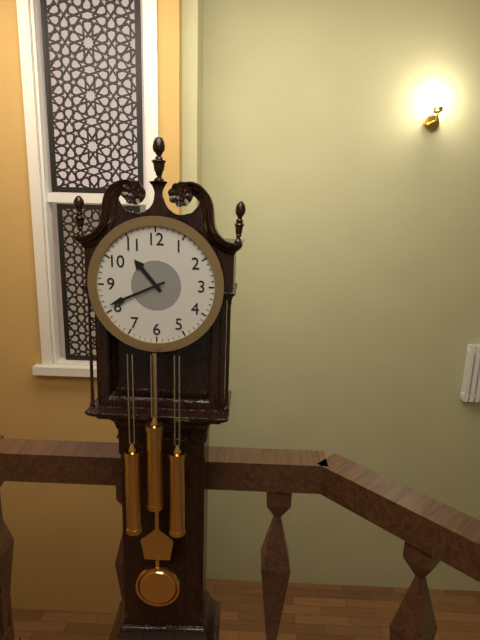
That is h=10 m=41
